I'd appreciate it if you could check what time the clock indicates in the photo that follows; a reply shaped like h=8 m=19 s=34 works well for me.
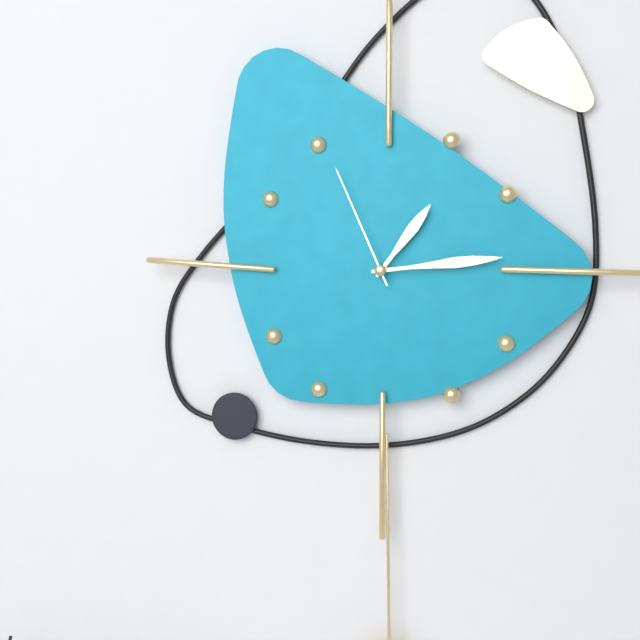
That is h=1 m=14 s=56
